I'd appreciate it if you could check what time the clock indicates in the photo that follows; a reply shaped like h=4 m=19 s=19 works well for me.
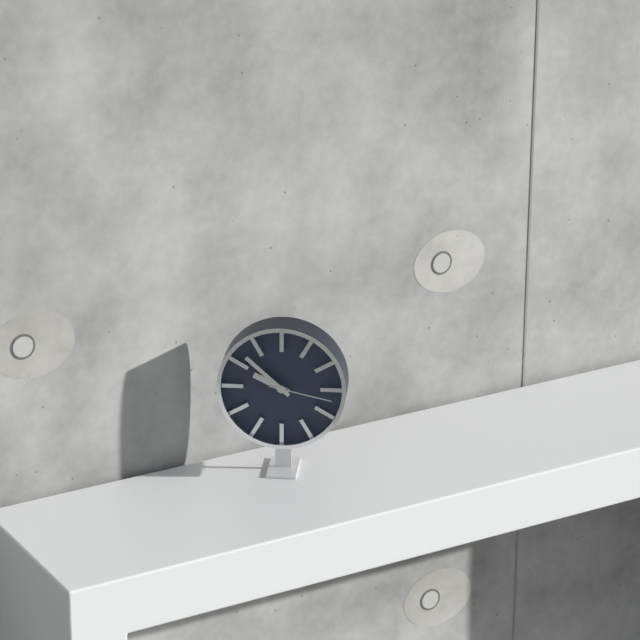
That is h=9 m=52 s=17
